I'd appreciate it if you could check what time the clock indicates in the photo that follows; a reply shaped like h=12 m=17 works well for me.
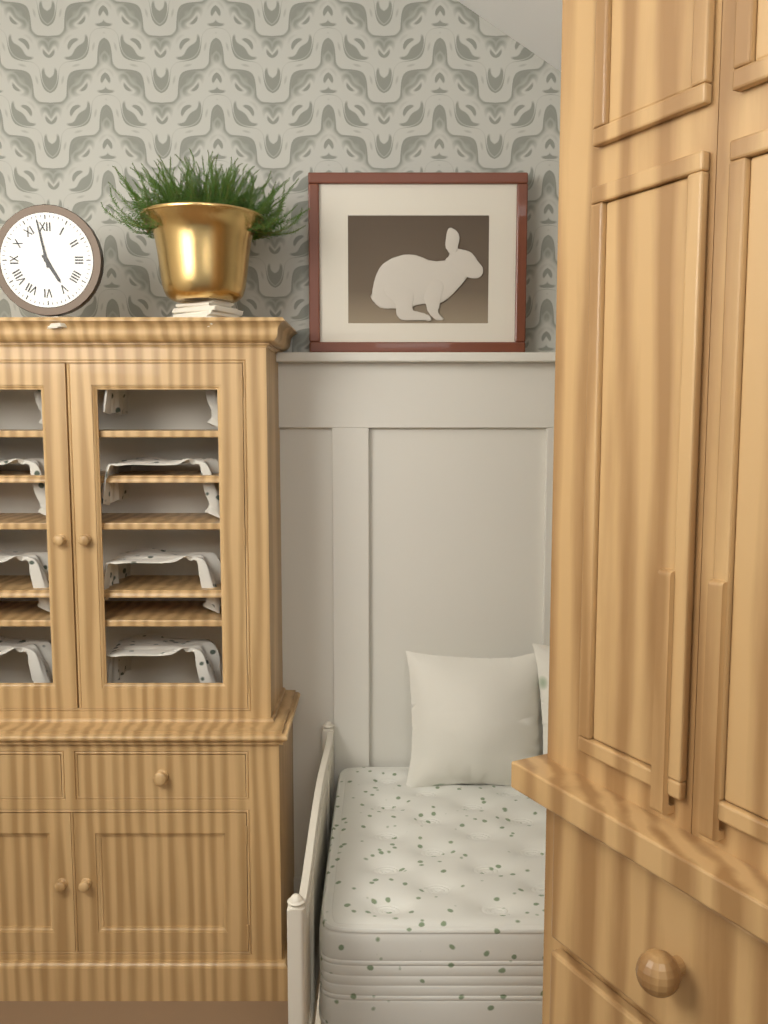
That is h=4 m=58
